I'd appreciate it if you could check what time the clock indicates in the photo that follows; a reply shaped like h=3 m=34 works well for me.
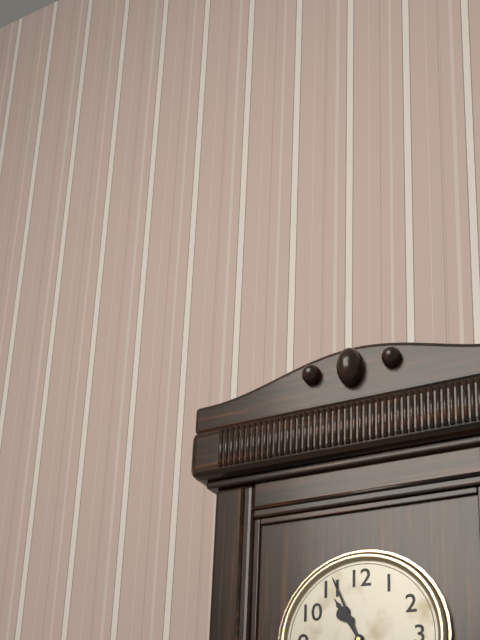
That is h=10 m=56
